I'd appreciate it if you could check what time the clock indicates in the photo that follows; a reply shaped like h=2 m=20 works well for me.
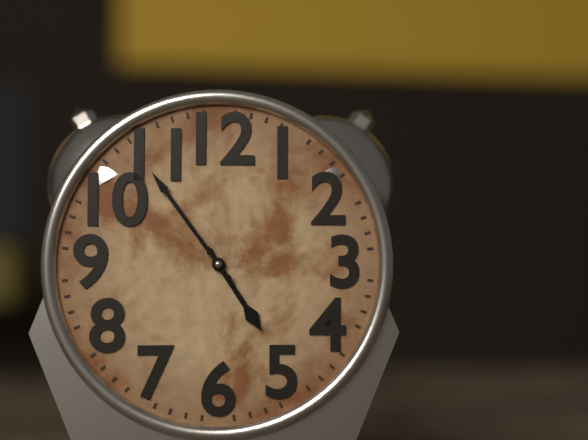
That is h=4 m=54
